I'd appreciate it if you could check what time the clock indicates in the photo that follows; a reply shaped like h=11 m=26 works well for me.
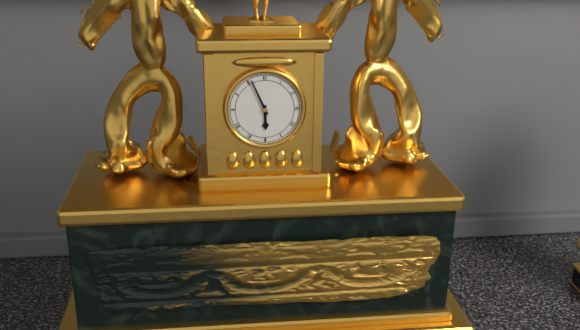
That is h=5 m=56
